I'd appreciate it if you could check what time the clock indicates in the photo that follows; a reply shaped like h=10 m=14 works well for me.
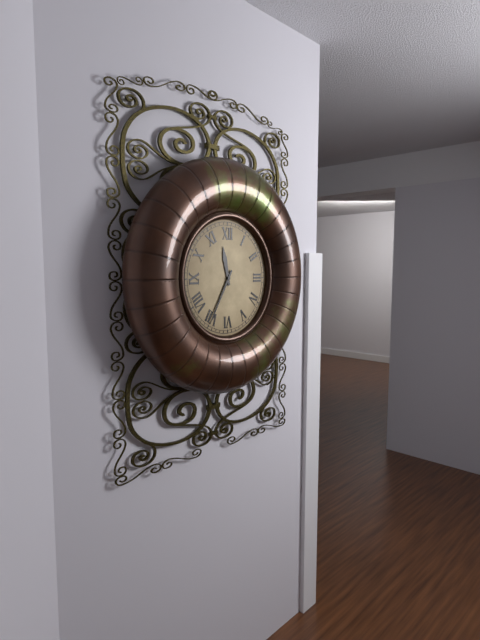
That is h=11 m=35
